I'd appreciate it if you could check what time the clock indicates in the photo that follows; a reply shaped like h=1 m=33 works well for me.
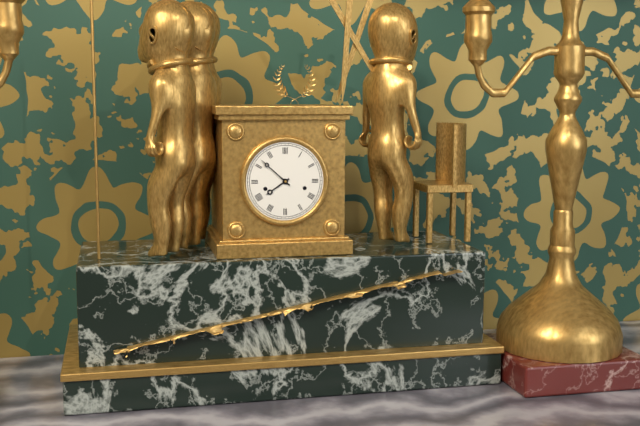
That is h=7 m=52
